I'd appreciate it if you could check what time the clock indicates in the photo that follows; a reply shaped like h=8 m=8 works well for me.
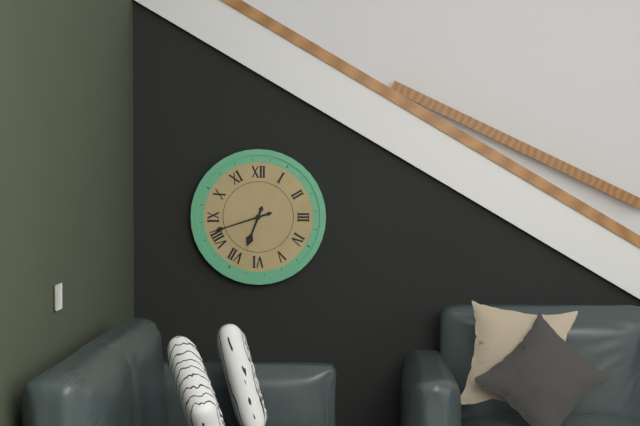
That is h=6 m=42
